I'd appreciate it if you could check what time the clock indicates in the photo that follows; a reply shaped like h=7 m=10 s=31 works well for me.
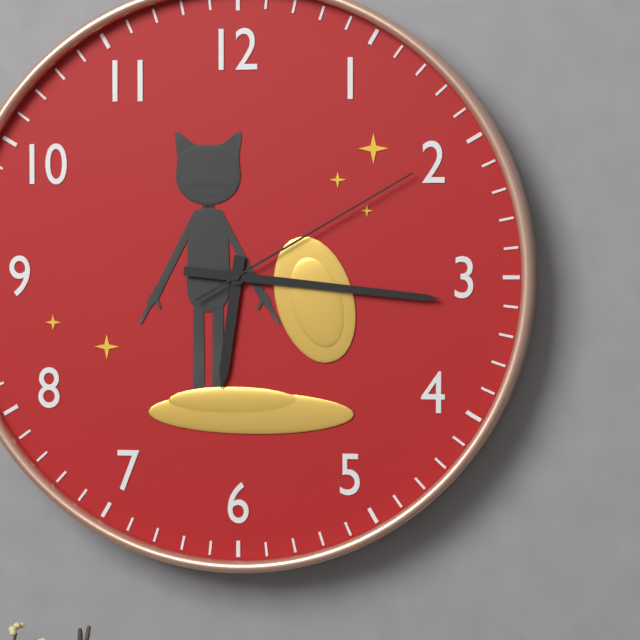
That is h=6 m=16 s=10
